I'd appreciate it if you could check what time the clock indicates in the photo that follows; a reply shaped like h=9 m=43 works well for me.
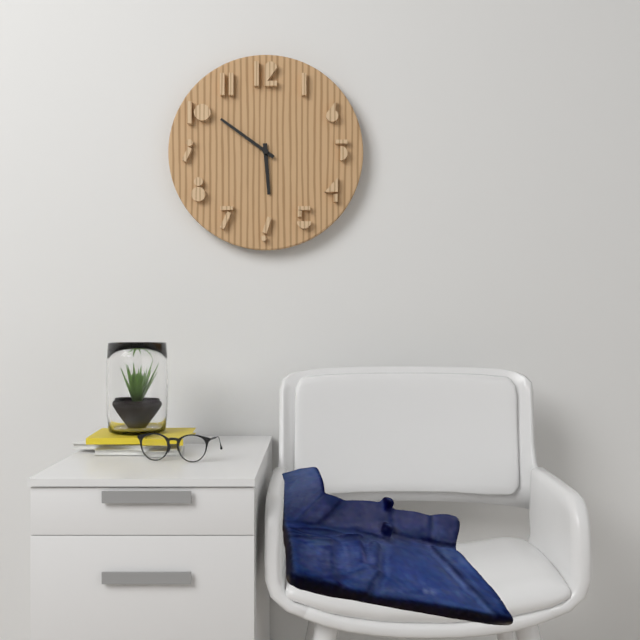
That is h=5 m=51
